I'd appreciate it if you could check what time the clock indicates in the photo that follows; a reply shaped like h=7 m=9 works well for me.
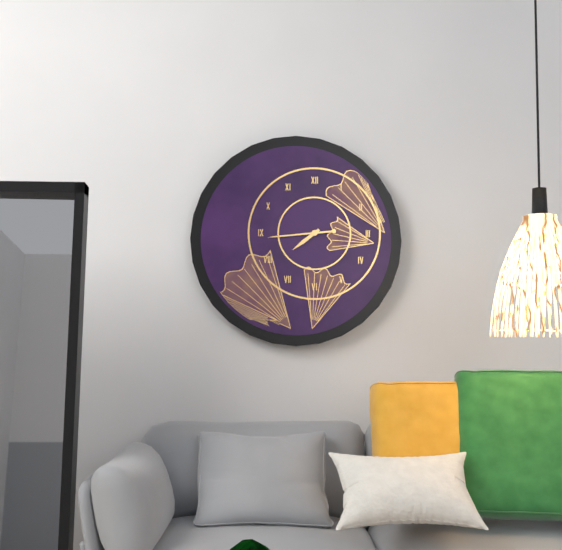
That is h=7 m=44
